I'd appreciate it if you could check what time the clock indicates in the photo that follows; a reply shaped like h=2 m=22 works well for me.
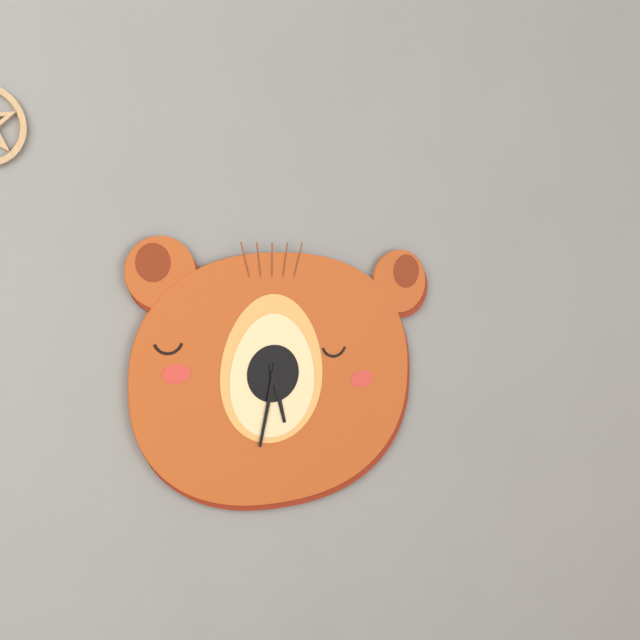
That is h=5 m=32
